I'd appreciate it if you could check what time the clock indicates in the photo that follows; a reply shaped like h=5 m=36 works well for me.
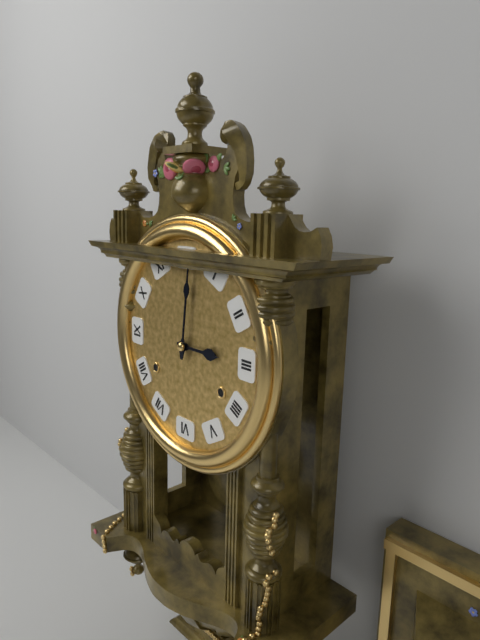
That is h=3 m=1
